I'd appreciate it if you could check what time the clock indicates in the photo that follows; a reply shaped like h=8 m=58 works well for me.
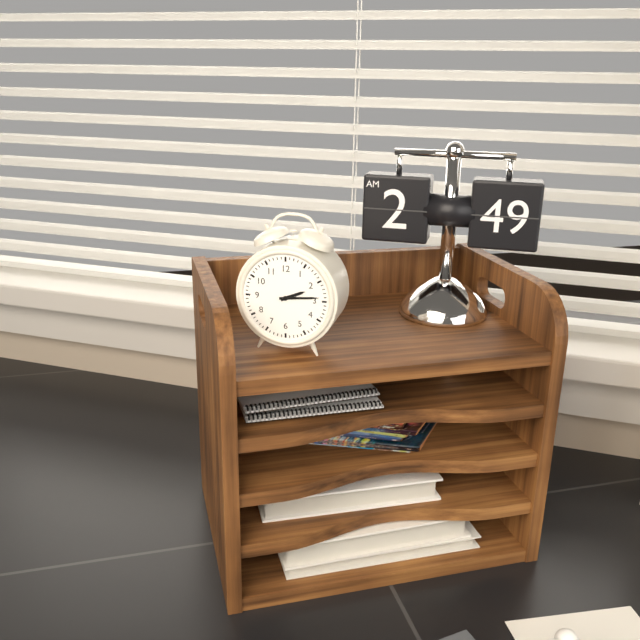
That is h=2 m=14
